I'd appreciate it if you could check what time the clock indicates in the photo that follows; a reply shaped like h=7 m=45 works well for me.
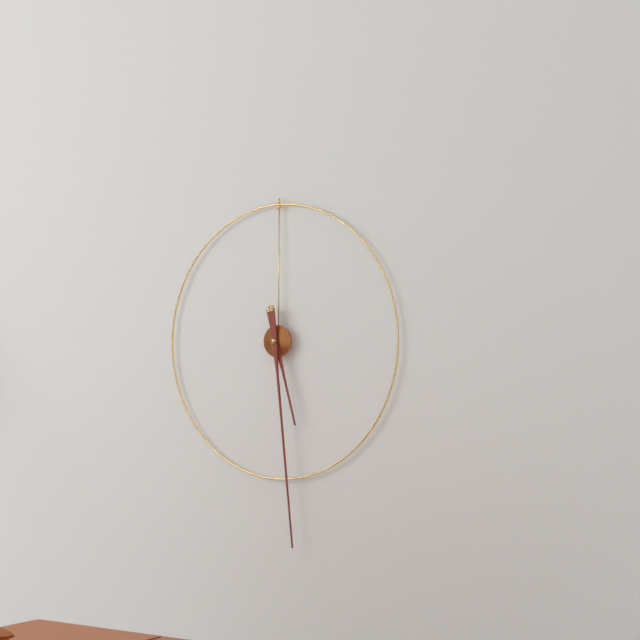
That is h=5 m=29
